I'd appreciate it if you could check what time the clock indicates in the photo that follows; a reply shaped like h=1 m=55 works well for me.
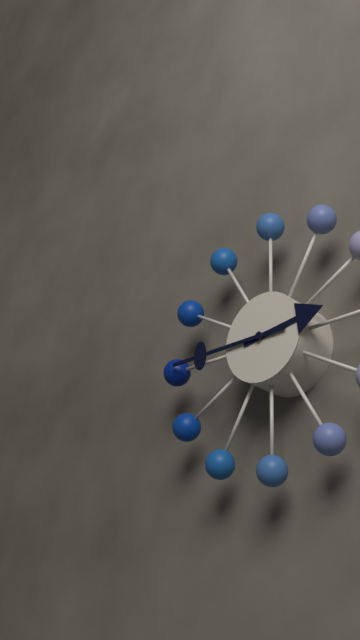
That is h=2 m=45
